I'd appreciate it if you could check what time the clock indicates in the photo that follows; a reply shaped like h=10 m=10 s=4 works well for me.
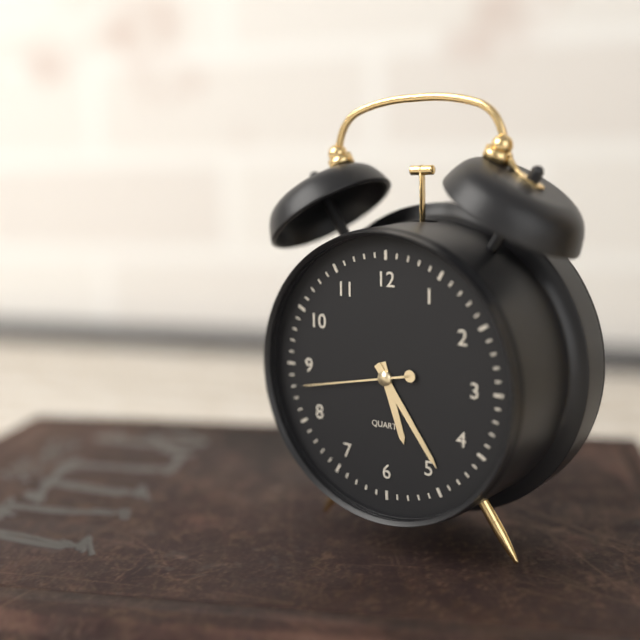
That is h=5 m=24 s=43
